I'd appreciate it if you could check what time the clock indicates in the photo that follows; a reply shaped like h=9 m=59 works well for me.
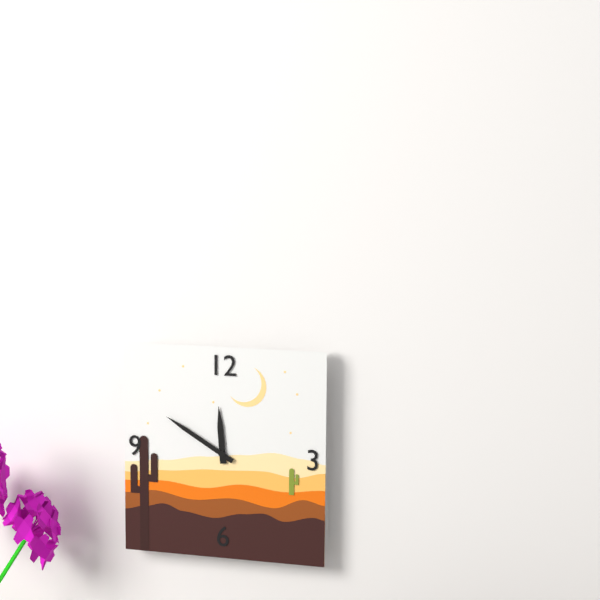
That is h=11 m=50
